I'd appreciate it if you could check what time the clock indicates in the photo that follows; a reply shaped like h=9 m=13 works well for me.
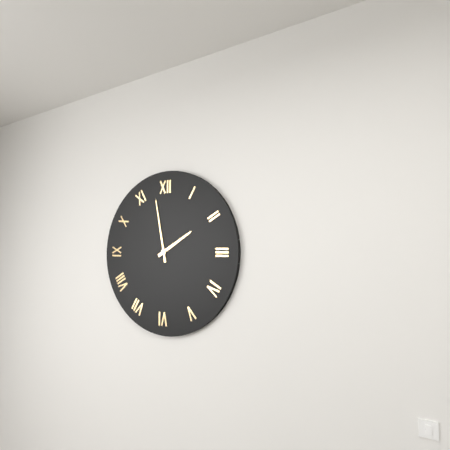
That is h=1 m=58
